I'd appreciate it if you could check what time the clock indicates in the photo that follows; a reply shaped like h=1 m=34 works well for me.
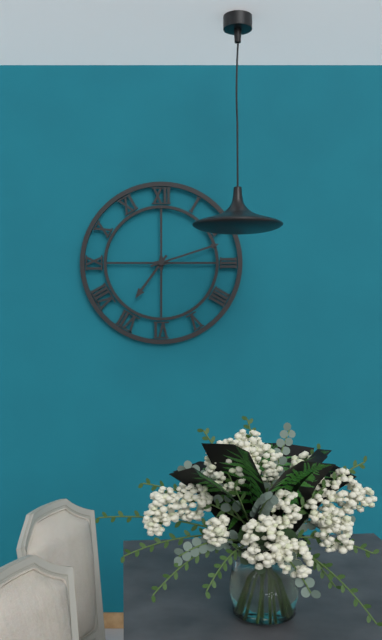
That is h=7 m=12
